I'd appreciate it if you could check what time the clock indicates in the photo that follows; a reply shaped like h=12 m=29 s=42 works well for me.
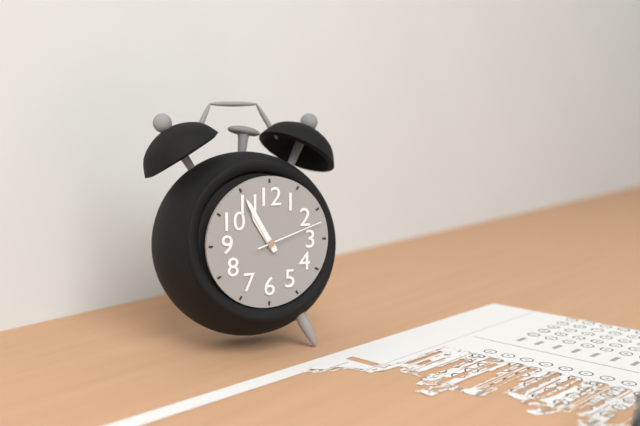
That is h=10 m=55 s=12
